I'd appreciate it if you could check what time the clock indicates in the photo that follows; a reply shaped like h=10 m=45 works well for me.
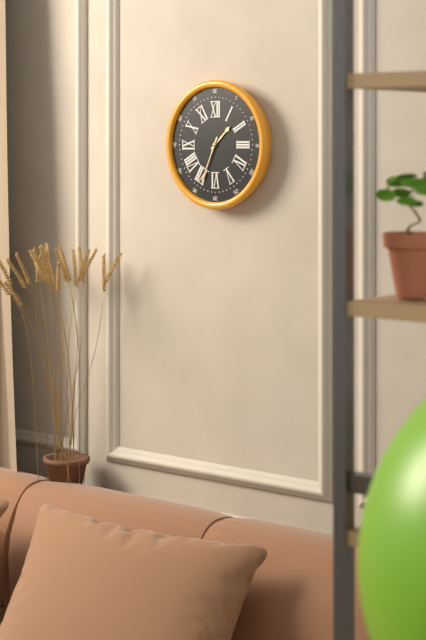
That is h=1 m=34
